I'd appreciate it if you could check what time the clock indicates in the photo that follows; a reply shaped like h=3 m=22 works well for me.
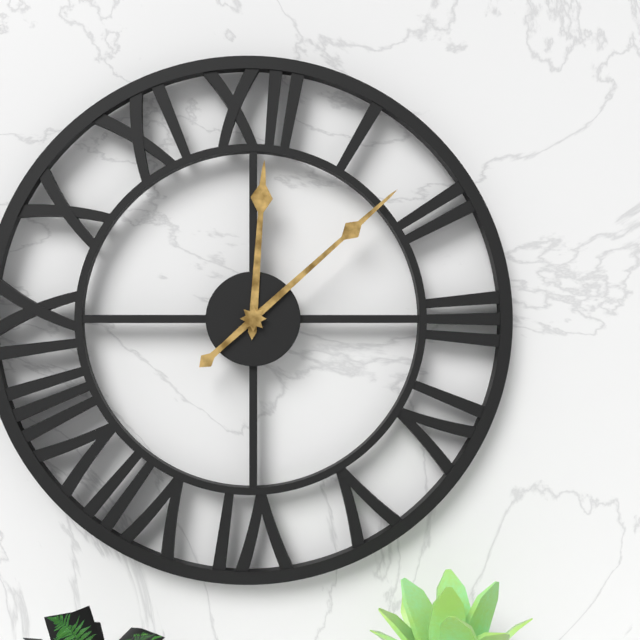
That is h=12 m=8
